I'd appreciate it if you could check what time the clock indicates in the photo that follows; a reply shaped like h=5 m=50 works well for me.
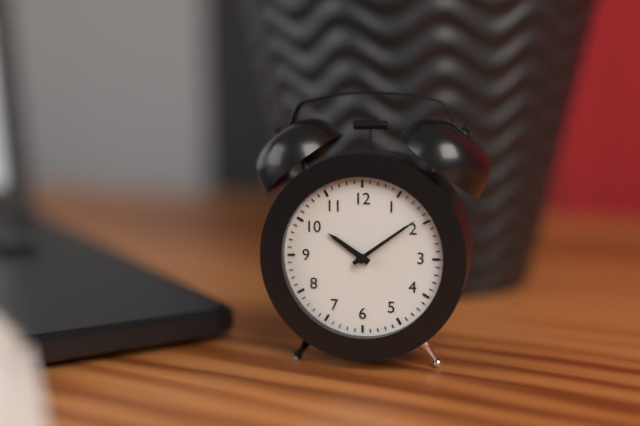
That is h=10 m=9
